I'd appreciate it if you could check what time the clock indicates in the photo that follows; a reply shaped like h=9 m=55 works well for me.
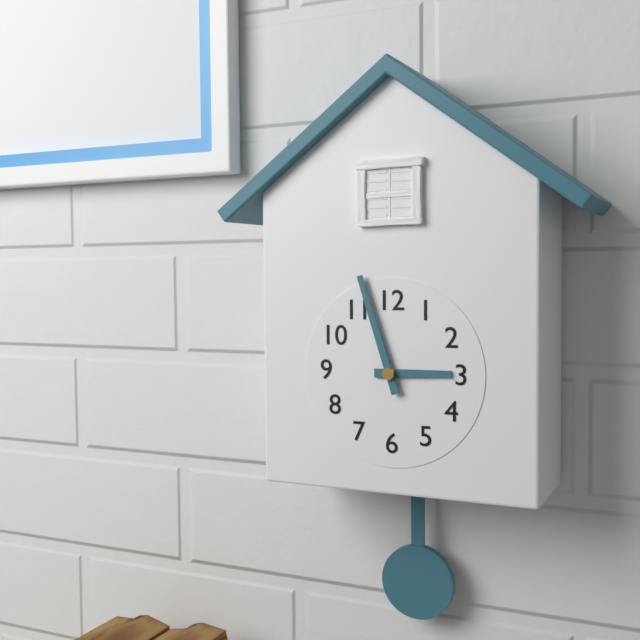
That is h=2 m=57
